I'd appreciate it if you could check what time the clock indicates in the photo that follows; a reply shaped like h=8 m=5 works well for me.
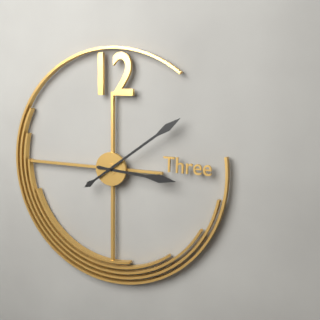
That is h=3 m=9
